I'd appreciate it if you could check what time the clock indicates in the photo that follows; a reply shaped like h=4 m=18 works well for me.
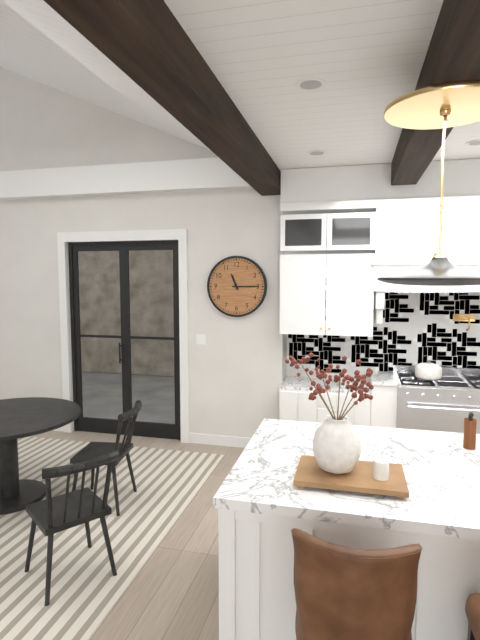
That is h=11 m=15
